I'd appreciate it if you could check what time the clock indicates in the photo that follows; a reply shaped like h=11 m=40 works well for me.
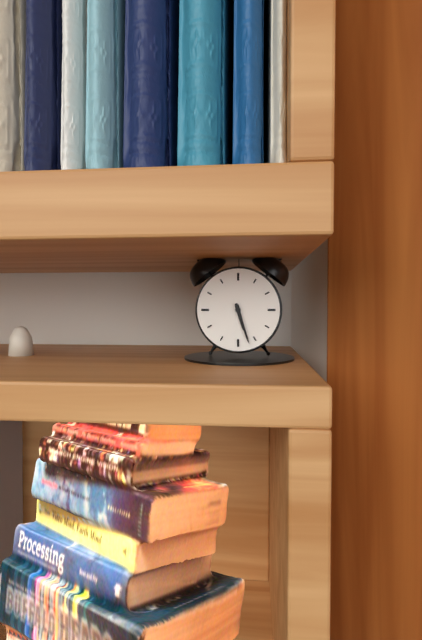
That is h=5 m=27
